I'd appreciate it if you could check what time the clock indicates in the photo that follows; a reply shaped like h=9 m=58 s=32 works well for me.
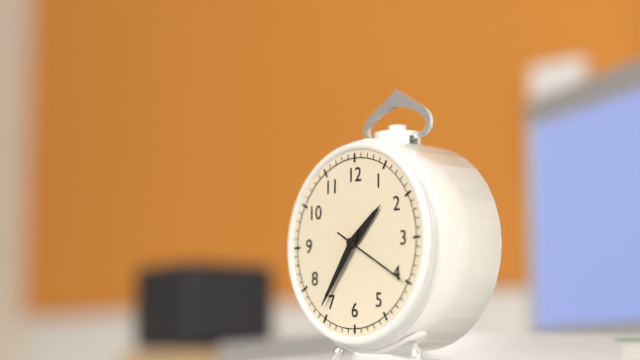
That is h=1 m=36 s=20
